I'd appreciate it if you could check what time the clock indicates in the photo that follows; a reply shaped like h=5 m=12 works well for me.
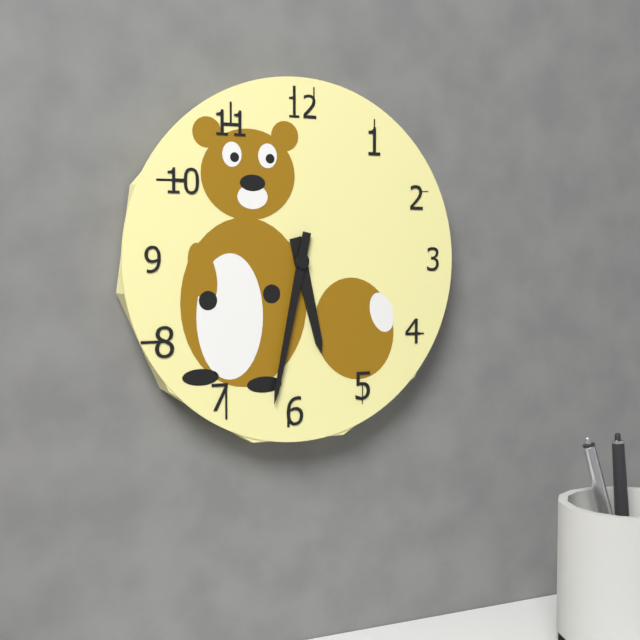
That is h=5 m=32
